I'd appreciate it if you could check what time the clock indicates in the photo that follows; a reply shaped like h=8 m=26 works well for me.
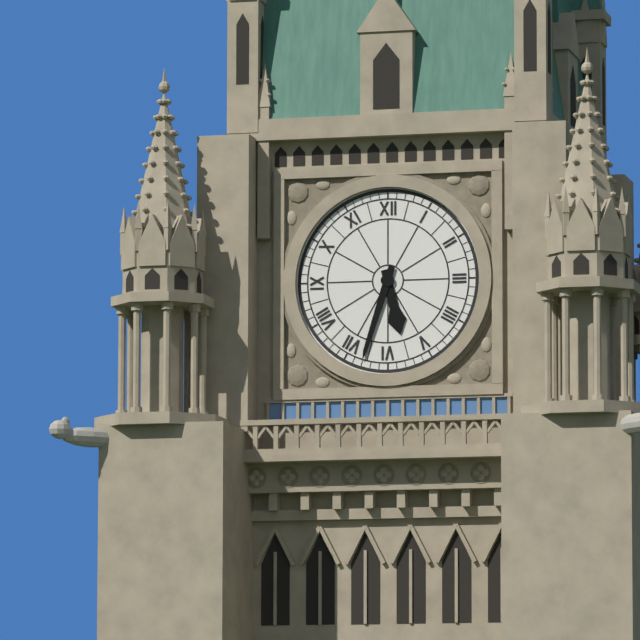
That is h=5 m=33
